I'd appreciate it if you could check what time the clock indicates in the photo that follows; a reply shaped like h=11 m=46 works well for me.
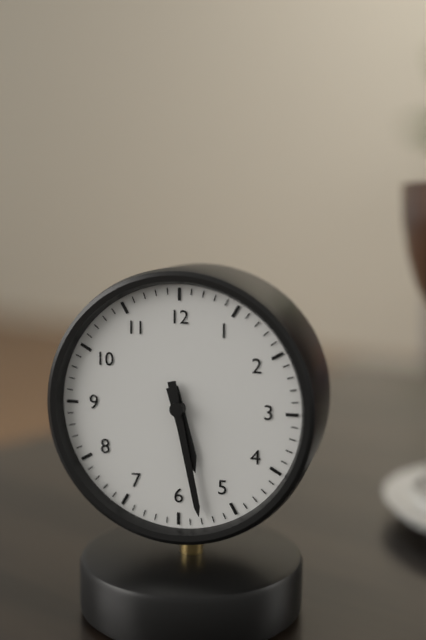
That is h=5 m=28
